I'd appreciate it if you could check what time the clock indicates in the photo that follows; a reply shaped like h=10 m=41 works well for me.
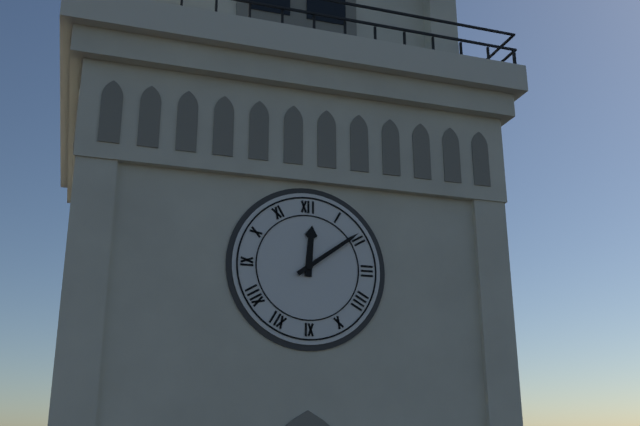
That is h=12 m=9
